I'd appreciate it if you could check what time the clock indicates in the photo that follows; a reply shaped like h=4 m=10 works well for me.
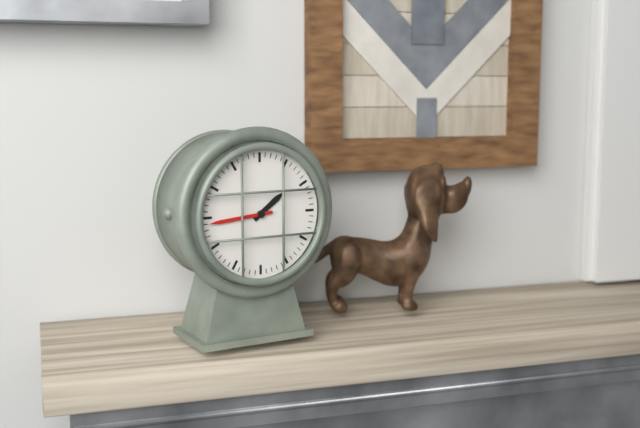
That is h=1 m=44
